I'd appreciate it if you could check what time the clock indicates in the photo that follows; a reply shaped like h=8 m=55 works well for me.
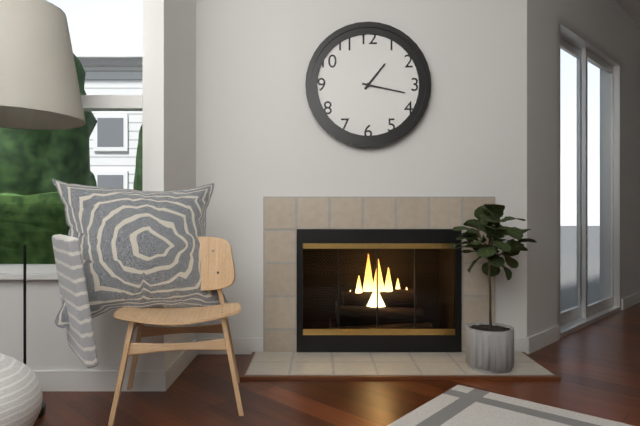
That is h=1 m=17
